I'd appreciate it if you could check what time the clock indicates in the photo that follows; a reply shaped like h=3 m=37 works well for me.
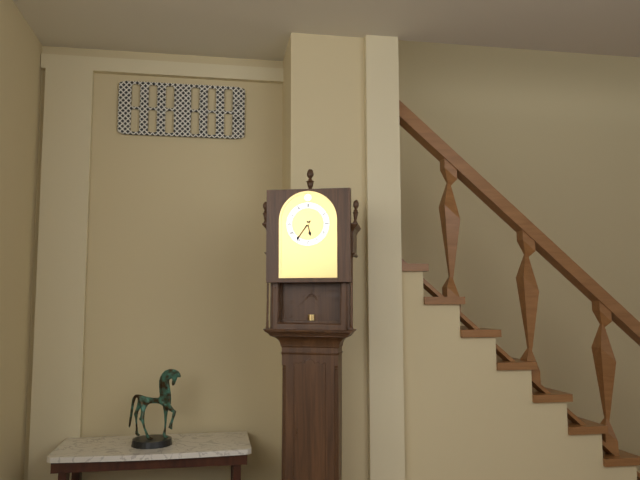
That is h=5 m=36
